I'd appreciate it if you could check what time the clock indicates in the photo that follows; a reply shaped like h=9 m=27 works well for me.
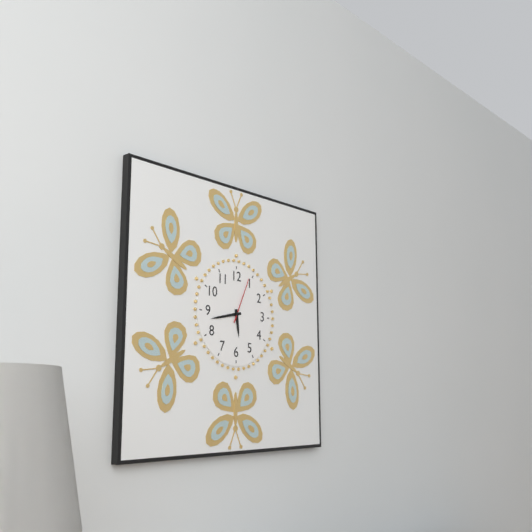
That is h=5 m=43
